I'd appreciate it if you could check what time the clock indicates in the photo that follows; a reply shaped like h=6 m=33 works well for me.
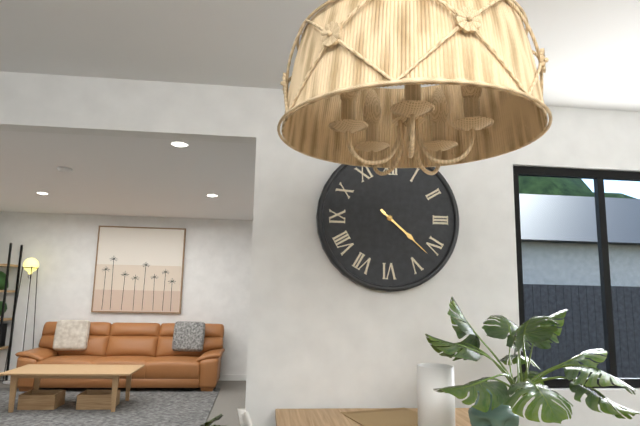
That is h=4 m=22
